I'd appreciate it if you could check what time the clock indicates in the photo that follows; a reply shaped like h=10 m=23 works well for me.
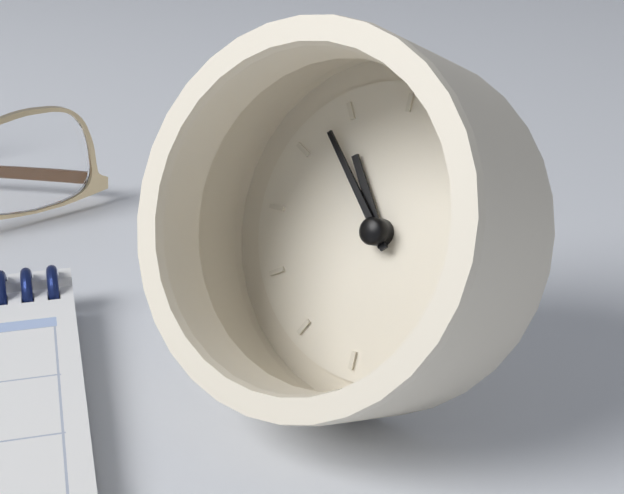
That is h=10 m=53
